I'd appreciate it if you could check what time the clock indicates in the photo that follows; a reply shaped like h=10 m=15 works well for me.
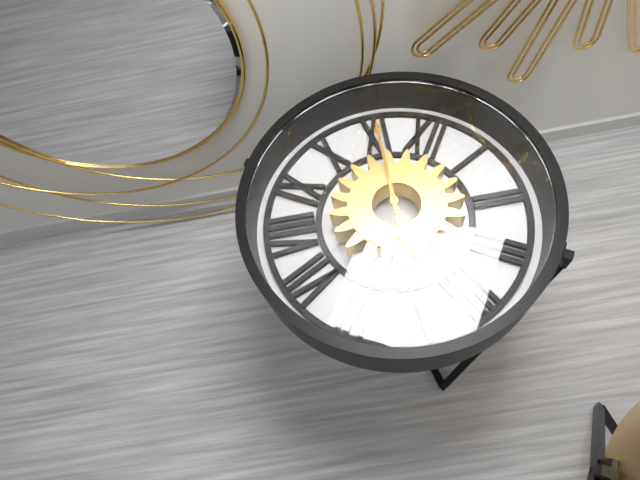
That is h=4 m=55
